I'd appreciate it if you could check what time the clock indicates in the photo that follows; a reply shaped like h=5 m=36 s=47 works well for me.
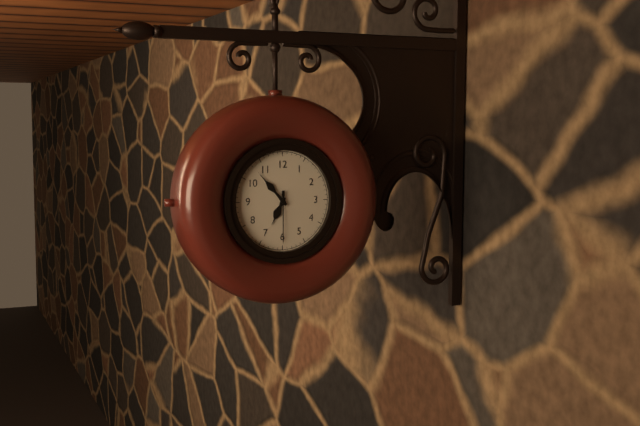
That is h=6 m=53 s=30
